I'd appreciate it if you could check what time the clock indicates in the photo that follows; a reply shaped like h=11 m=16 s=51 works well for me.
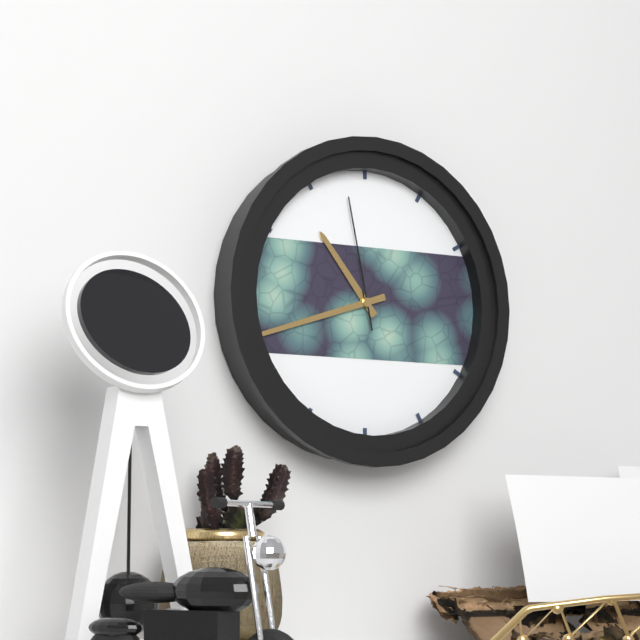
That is h=10 m=42 s=58
